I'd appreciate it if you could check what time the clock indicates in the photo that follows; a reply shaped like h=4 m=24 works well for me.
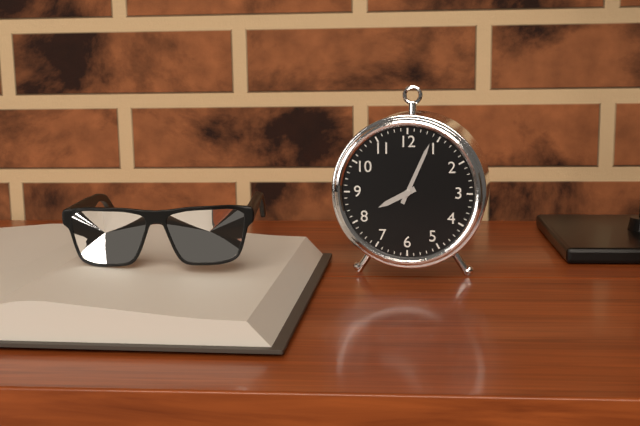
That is h=8 m=4
